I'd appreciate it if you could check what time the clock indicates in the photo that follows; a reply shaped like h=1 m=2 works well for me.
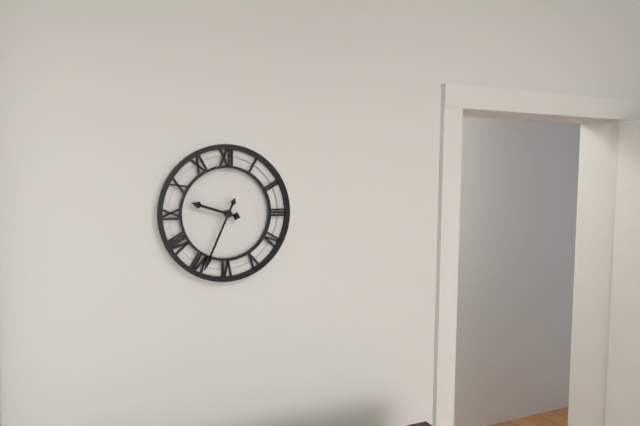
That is h=9 m=34
